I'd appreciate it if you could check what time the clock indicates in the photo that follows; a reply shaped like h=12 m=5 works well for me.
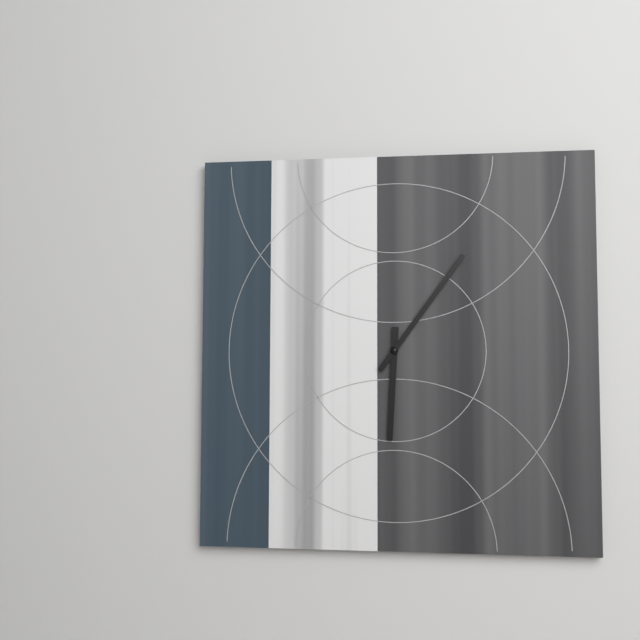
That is h=6 m=6
